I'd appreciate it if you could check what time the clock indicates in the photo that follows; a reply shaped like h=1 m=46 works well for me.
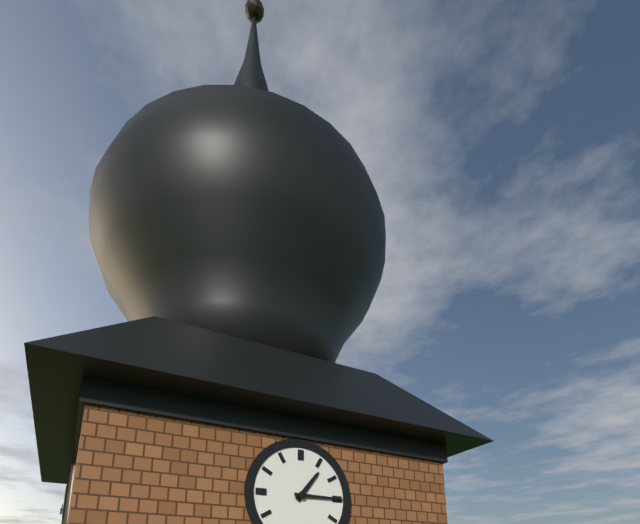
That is h=1 m=15
